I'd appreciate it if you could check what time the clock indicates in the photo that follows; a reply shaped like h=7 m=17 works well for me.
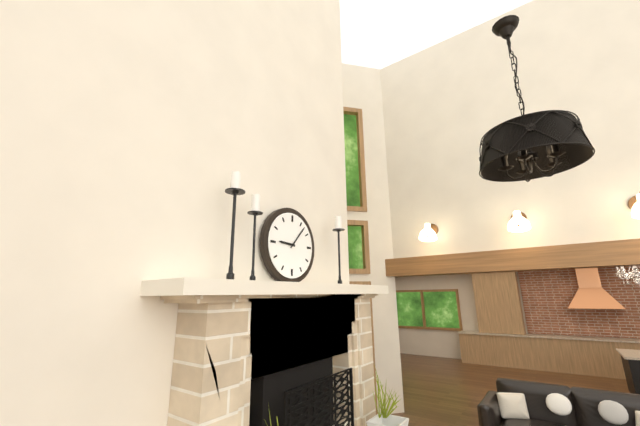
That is h=9 m=7
